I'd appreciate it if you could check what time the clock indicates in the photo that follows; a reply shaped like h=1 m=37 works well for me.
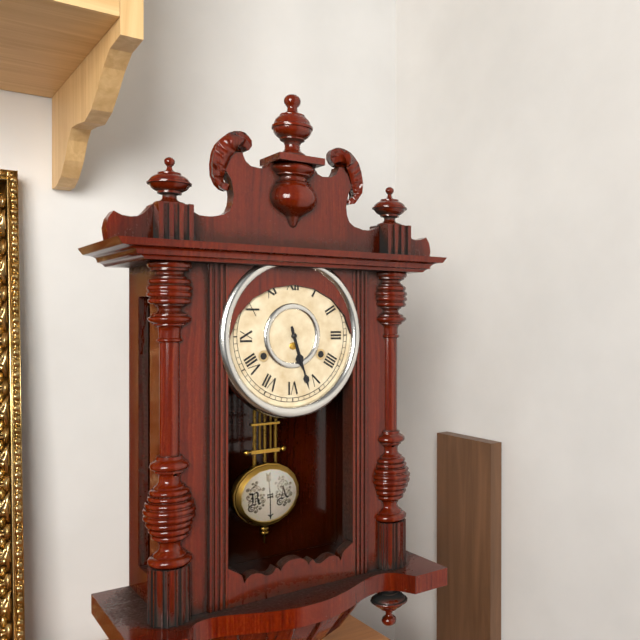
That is h=5 m=27
